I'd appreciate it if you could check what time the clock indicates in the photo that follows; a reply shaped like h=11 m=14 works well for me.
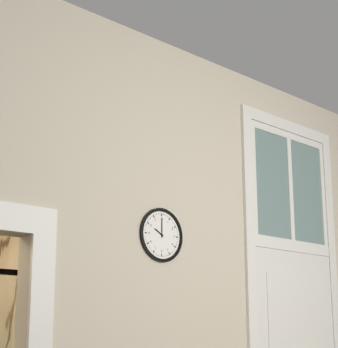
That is h=10 m=0
